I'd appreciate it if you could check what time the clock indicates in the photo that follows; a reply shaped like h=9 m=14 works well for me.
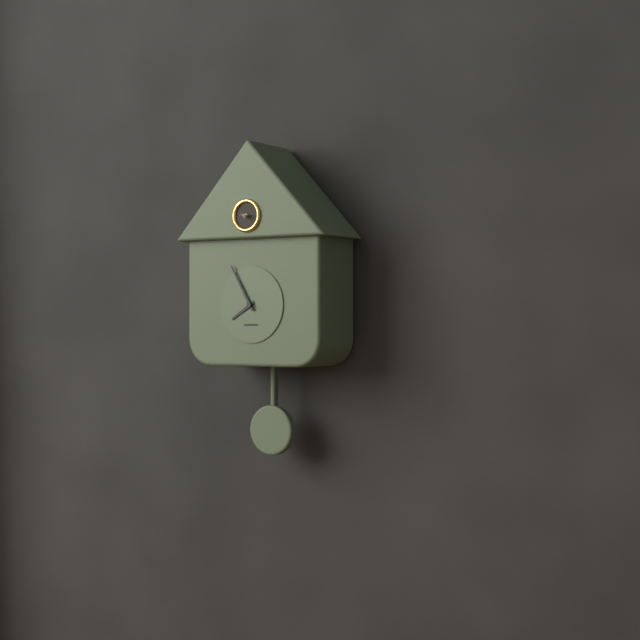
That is h=7 m=55
